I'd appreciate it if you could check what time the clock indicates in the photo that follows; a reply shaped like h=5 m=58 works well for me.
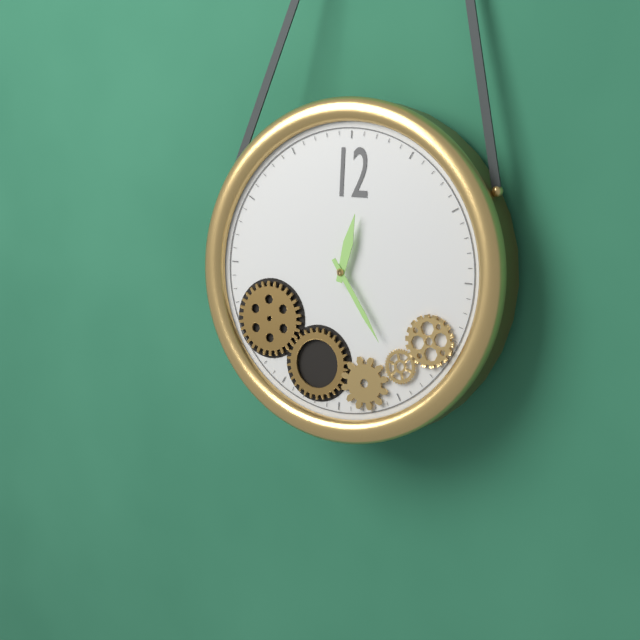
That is h=12 m=24
